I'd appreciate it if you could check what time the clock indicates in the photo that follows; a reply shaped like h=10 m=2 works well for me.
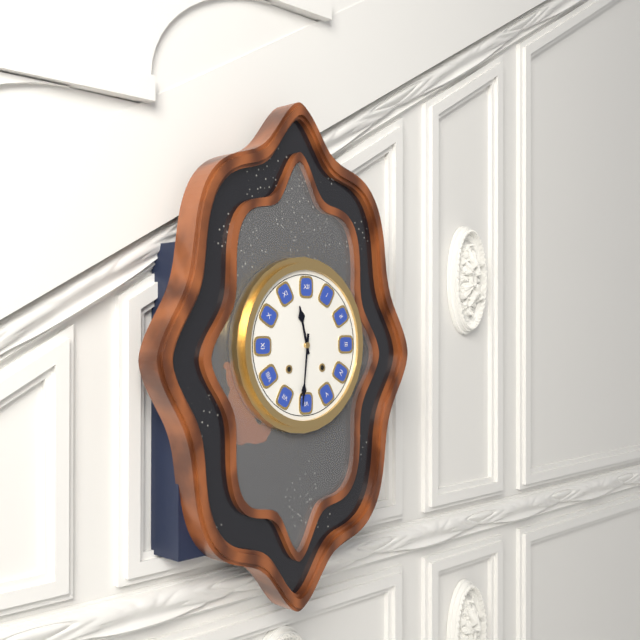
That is h=11 m=31
